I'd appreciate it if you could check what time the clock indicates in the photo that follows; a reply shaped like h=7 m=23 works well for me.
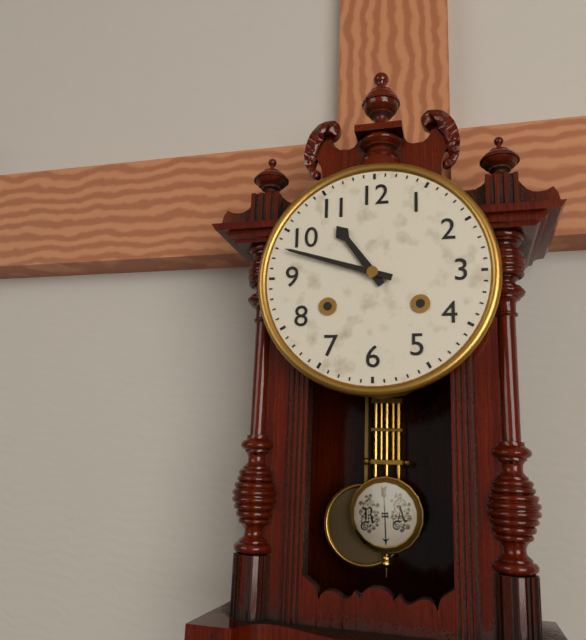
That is h=10 m=48
